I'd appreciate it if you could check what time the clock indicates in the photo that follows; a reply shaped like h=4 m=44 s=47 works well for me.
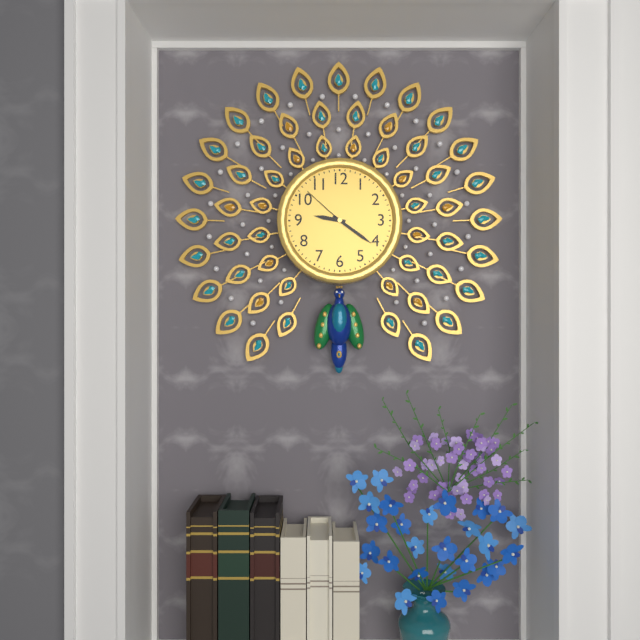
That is h=9 m=21 s=52
